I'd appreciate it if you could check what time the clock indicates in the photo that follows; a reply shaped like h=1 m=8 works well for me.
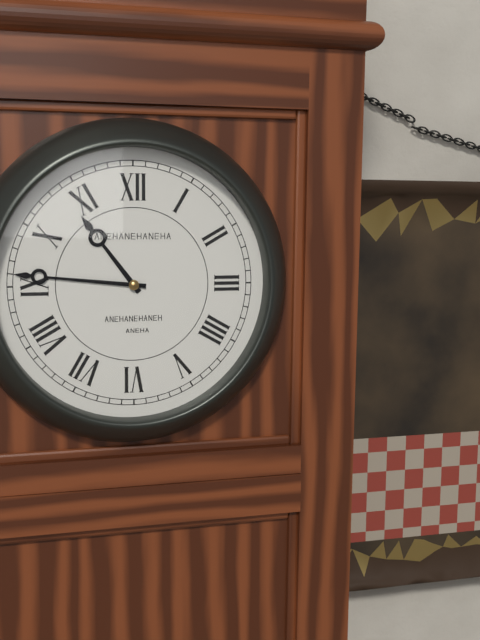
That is h=10 m=46
